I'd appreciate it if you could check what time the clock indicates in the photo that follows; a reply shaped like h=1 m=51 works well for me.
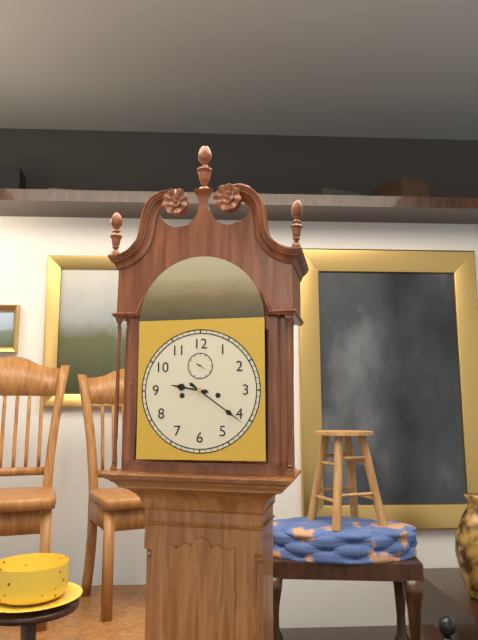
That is h=9 m=21
